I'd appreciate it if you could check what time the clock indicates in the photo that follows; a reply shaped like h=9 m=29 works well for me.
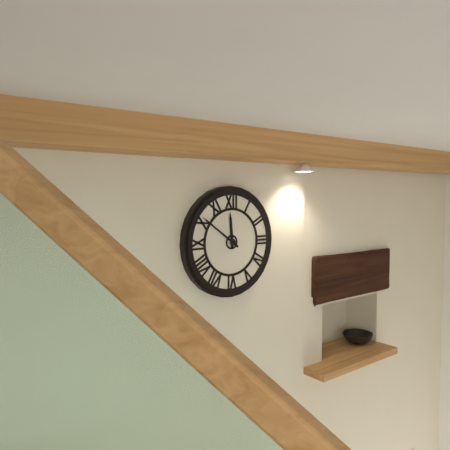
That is h=11 m=51
